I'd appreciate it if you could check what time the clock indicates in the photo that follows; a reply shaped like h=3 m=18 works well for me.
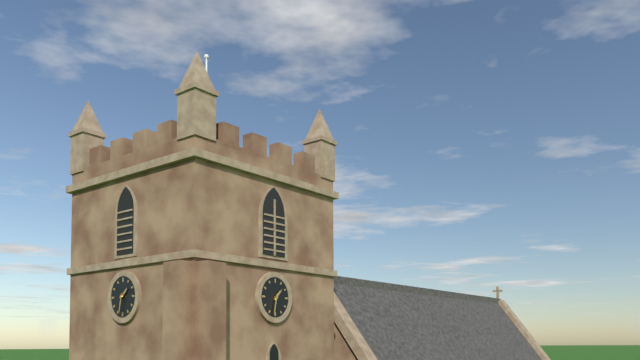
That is h=1 m=32
